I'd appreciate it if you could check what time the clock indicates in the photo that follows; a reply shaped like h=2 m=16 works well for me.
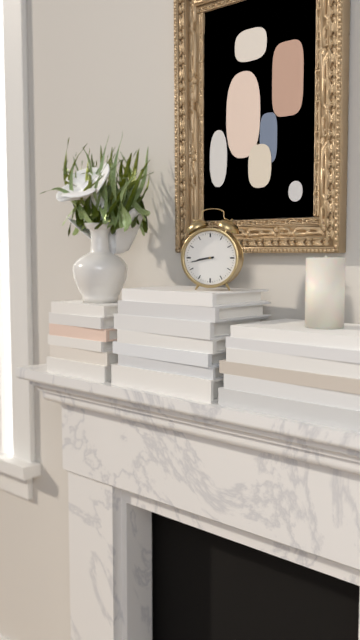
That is h=8 m=43
